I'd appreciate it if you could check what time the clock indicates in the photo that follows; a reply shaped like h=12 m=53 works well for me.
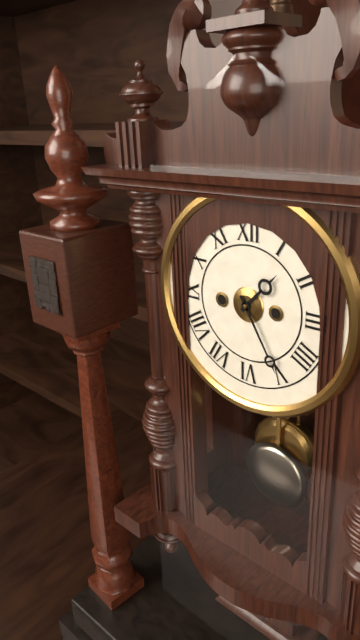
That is h=1 m=25
